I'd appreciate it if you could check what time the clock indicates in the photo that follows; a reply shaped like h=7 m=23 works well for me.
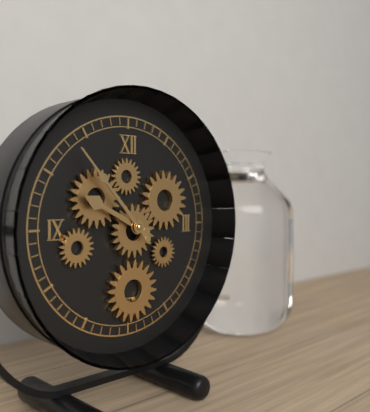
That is h=9 m=53
